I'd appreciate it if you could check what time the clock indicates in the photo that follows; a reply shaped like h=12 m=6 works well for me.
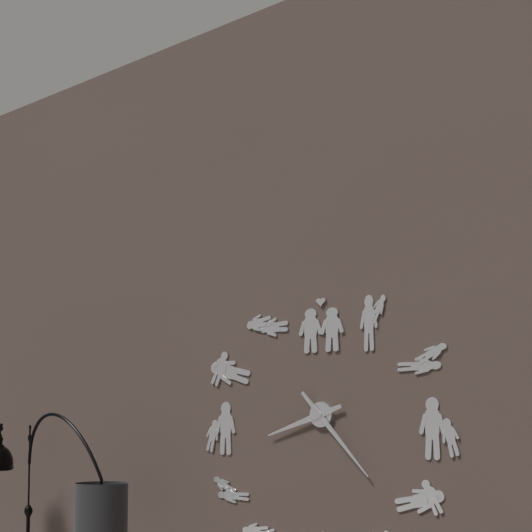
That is h=8 m=23
